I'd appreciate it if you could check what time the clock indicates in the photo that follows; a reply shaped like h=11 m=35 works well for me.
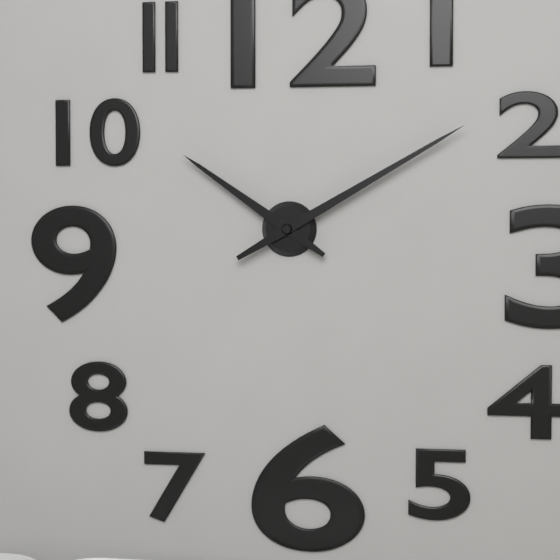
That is h=10 m=10
